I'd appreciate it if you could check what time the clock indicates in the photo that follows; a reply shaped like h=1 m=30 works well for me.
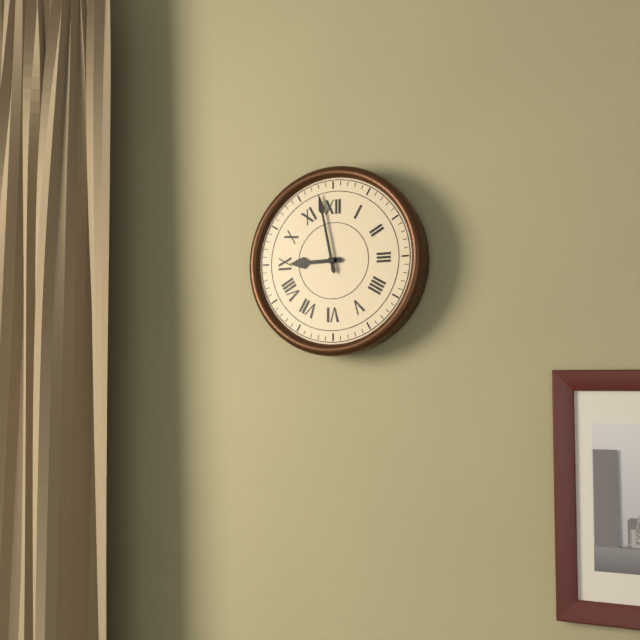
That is h=8 m=58
